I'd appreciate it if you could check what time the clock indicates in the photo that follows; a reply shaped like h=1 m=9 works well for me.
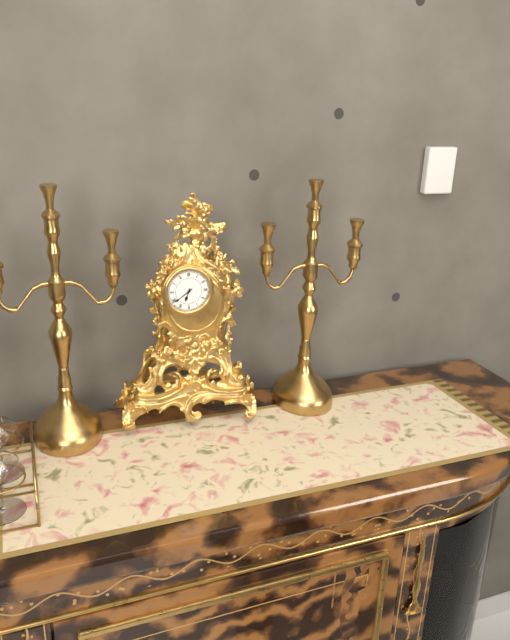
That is h=6 m=39
